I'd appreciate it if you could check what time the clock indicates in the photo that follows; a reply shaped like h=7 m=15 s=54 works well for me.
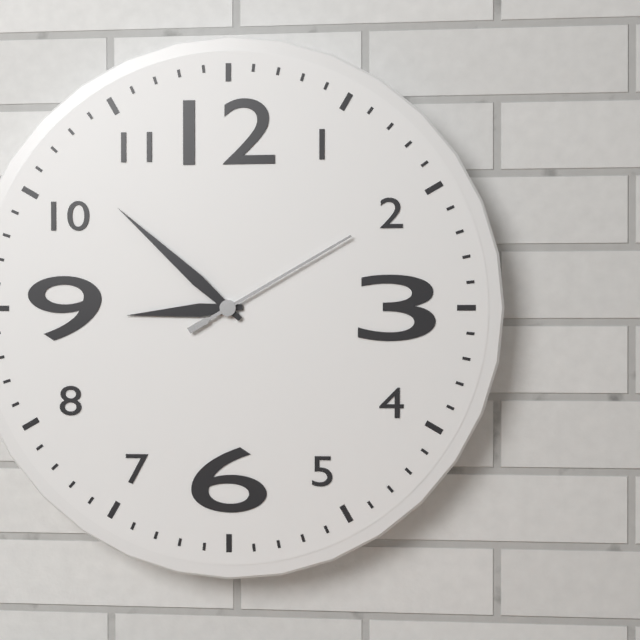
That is h=8 m=52 s=10
